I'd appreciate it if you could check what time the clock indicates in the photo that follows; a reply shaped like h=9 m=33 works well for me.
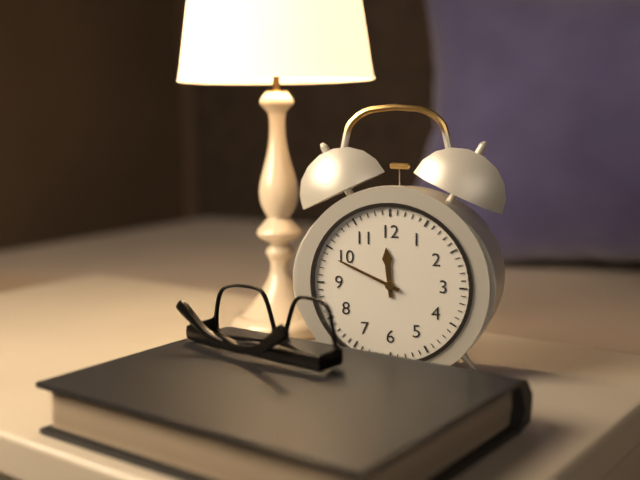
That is h=11 m=49
